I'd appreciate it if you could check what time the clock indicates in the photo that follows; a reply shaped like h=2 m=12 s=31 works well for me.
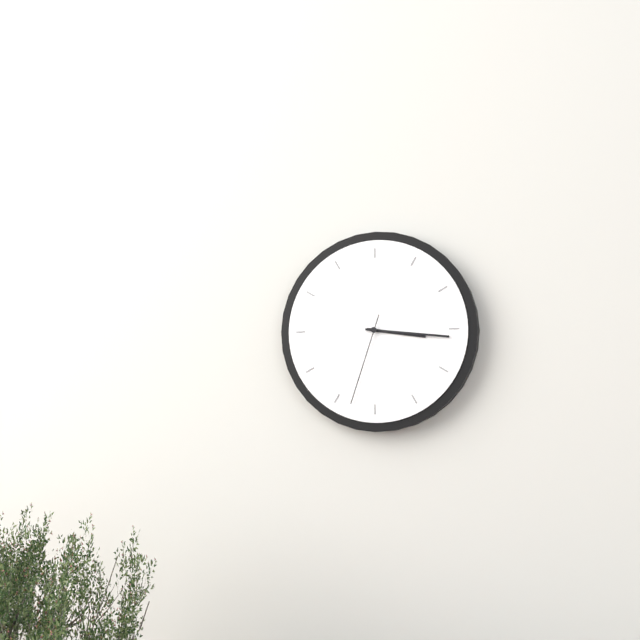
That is h=3 m=16 s=33
